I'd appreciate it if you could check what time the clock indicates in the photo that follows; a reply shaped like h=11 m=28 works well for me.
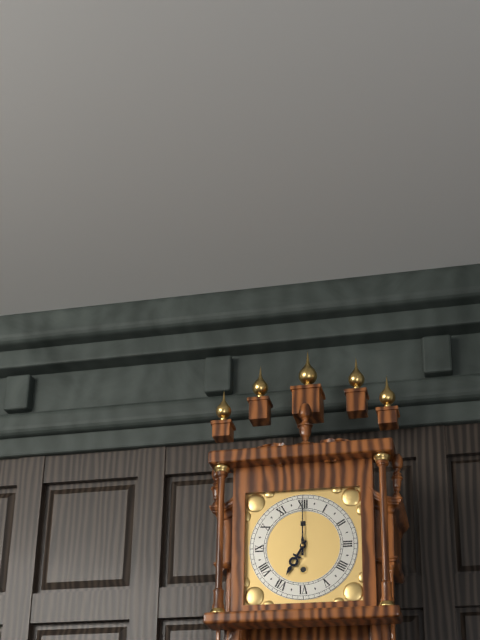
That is h=7 m=0
